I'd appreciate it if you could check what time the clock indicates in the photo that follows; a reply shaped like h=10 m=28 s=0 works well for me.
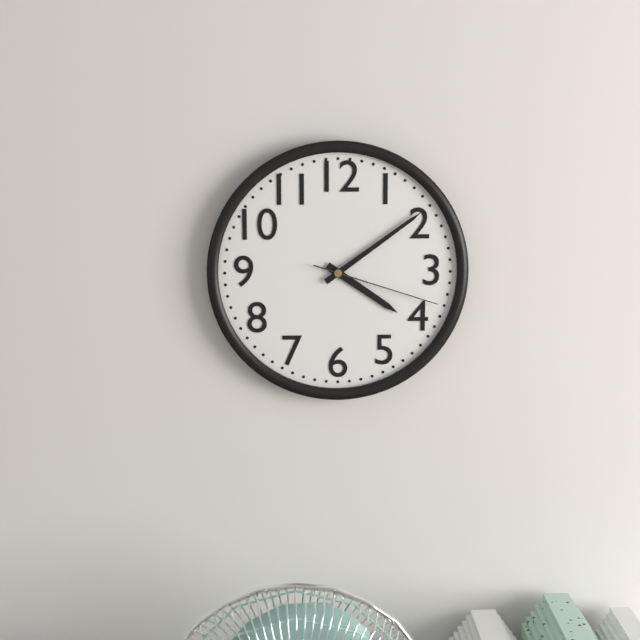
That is h=4 m=9 s=18
